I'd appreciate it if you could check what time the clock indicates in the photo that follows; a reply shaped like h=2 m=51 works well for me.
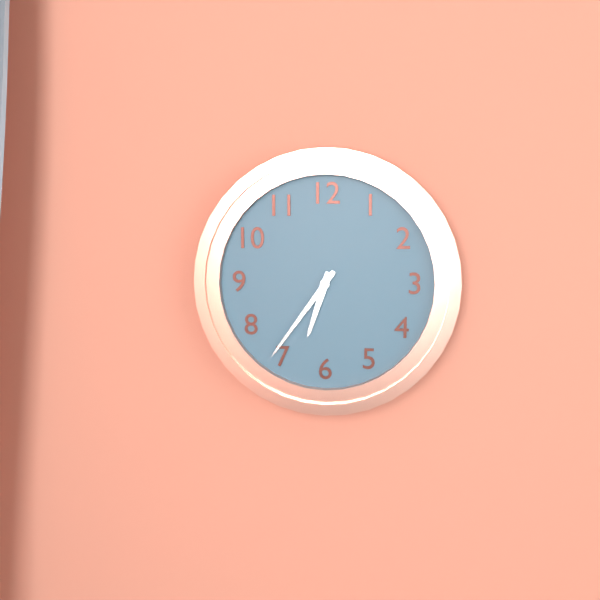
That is h=6 m=36
